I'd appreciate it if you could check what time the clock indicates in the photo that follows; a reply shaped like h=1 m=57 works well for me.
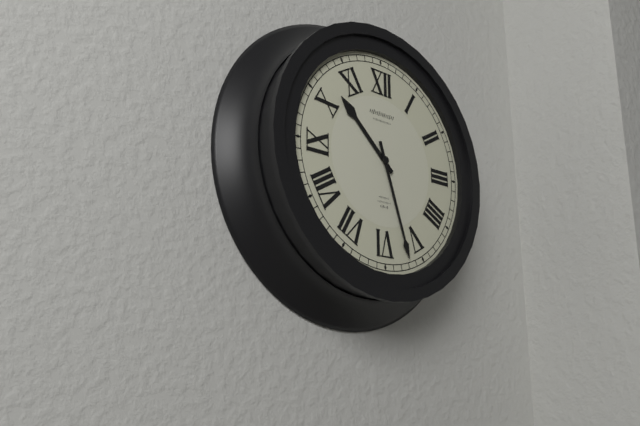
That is h=10 m=27
